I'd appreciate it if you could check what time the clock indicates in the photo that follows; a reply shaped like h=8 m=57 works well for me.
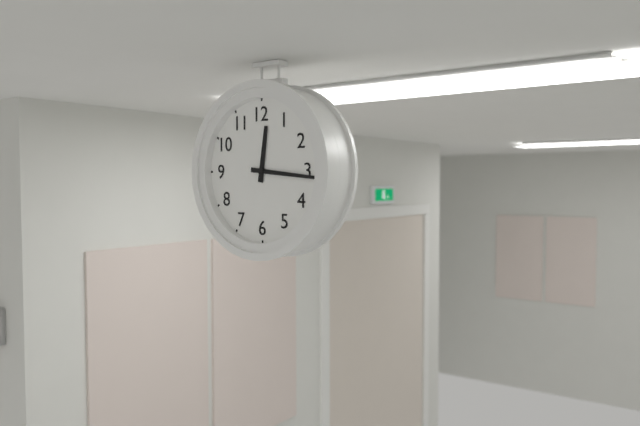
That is h=12 m=16
